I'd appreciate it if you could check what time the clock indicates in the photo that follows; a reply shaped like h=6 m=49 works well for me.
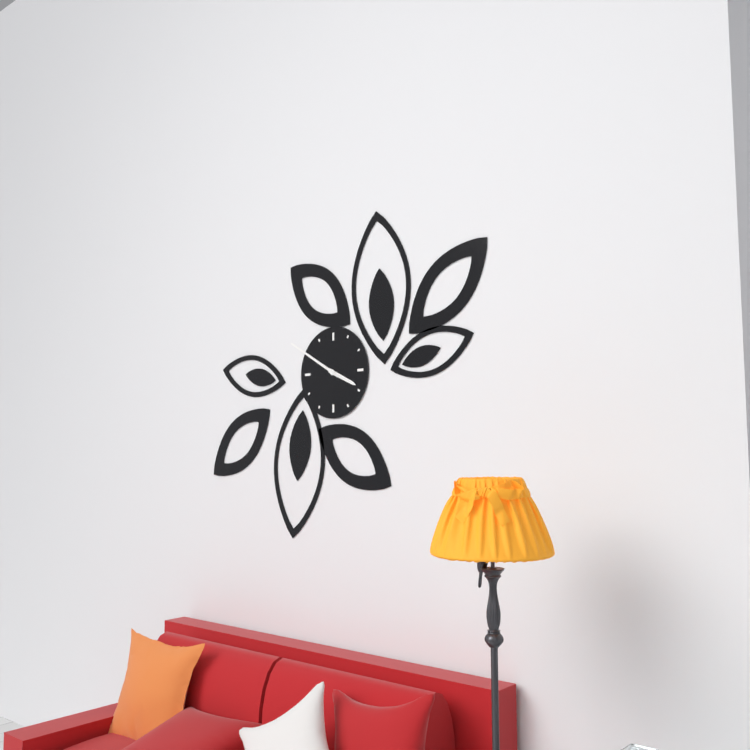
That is h=3 m=50
